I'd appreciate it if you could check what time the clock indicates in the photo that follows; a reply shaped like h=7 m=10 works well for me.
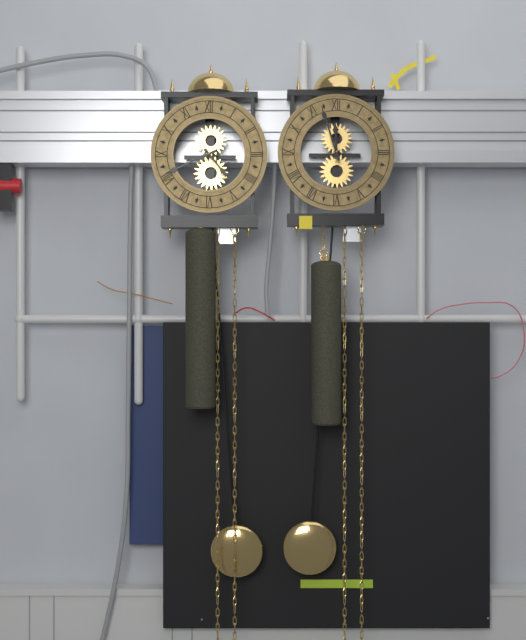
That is h=4 m=41
